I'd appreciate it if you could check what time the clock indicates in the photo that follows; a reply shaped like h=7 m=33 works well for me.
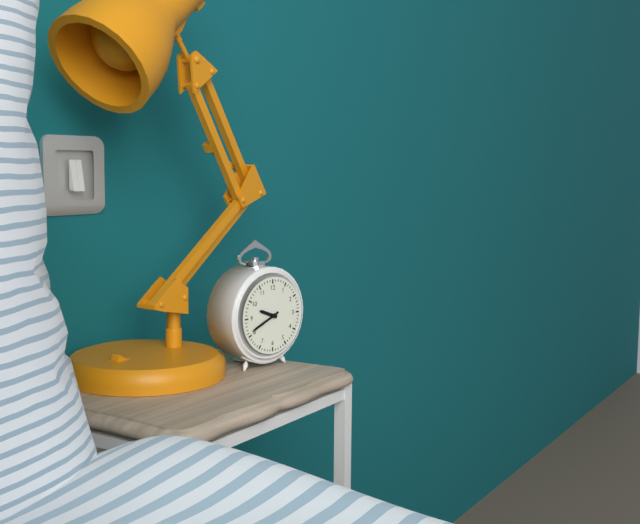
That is h=9 m=41
